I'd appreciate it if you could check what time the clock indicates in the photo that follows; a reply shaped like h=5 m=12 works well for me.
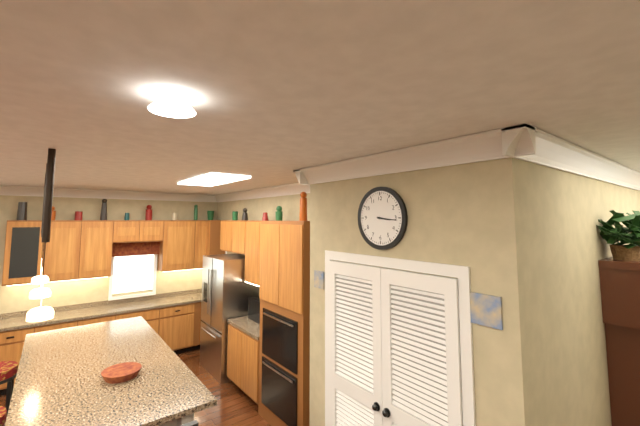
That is h=3 m=16
